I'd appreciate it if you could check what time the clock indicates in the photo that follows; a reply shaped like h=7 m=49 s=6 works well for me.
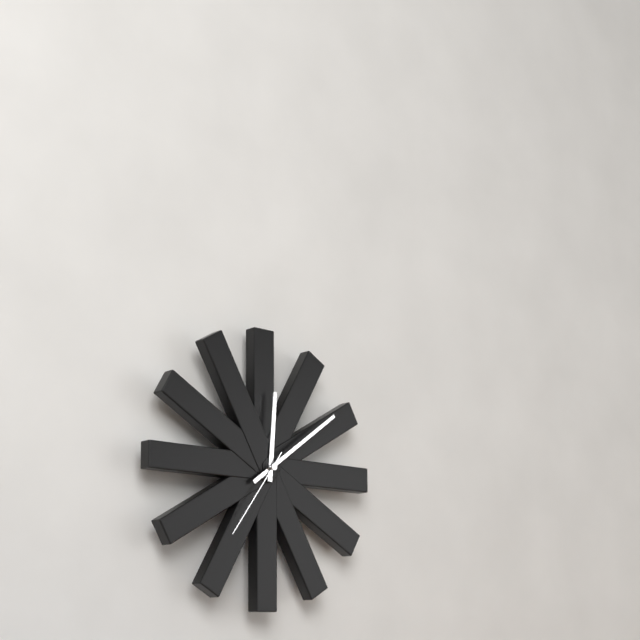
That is h=12 m=9 s=36
